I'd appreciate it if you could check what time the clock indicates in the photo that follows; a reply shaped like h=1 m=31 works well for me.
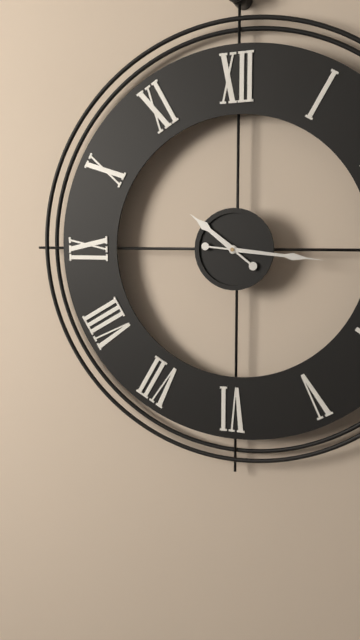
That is h=10 m=16
